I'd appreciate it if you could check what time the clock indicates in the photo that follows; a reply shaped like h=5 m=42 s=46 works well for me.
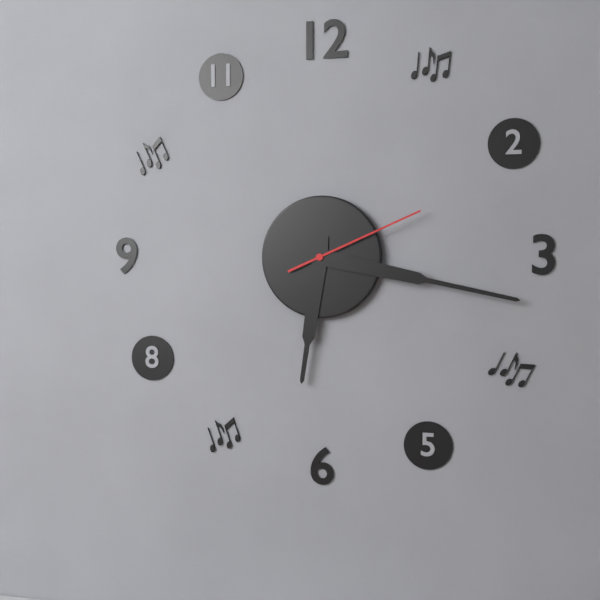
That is h=6 m=17 s=11
